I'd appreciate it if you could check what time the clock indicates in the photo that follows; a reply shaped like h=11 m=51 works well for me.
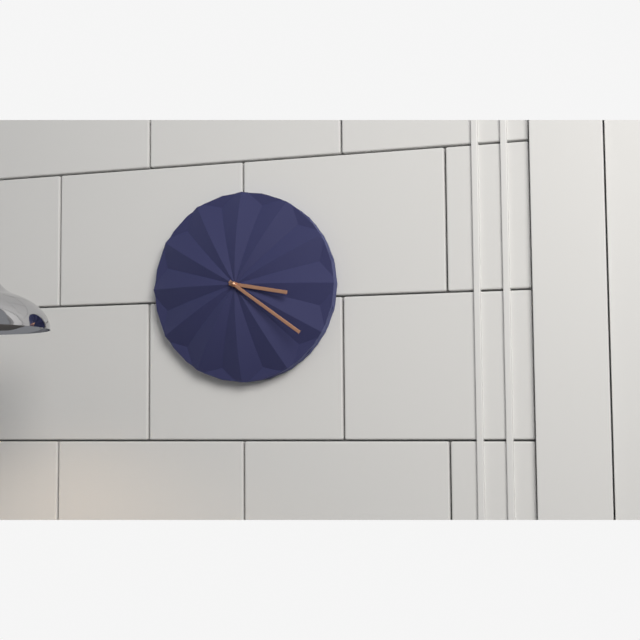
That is h=3 m=21
